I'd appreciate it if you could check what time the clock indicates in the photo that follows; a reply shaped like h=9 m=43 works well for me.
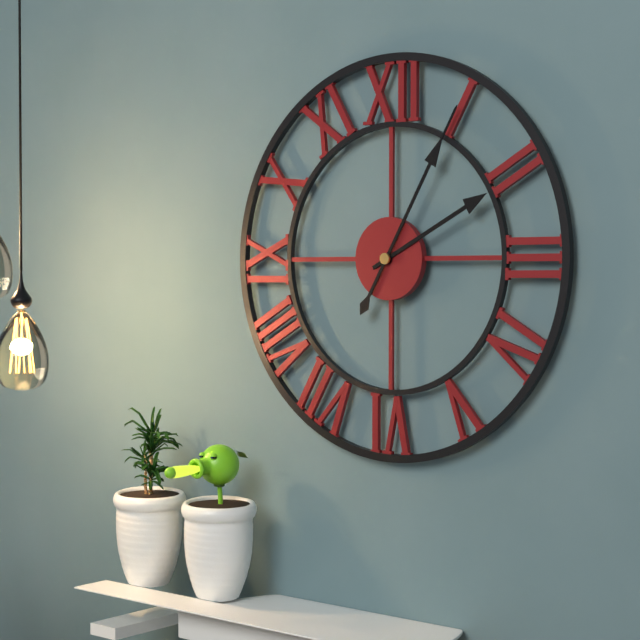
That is h=2 m=5
